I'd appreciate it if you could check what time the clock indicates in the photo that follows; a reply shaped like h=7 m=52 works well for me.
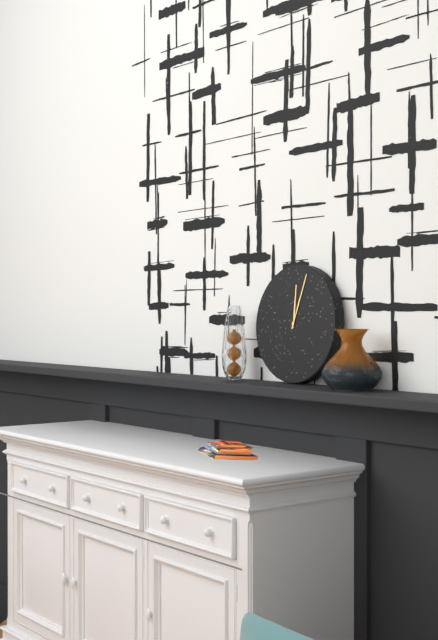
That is h=12 m=3
